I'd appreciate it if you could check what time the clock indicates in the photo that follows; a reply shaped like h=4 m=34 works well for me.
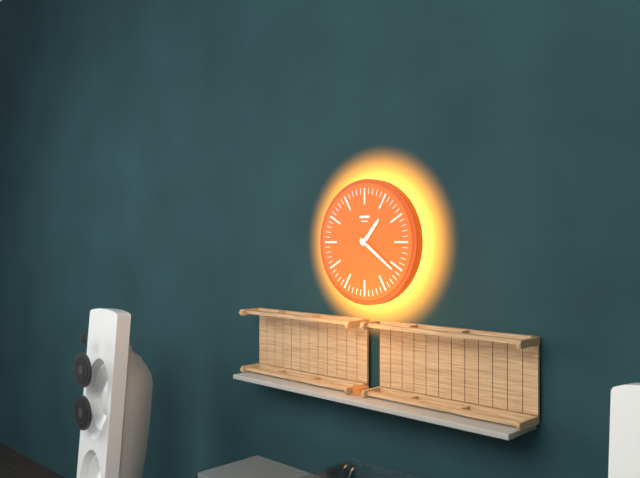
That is h=1 m=21
